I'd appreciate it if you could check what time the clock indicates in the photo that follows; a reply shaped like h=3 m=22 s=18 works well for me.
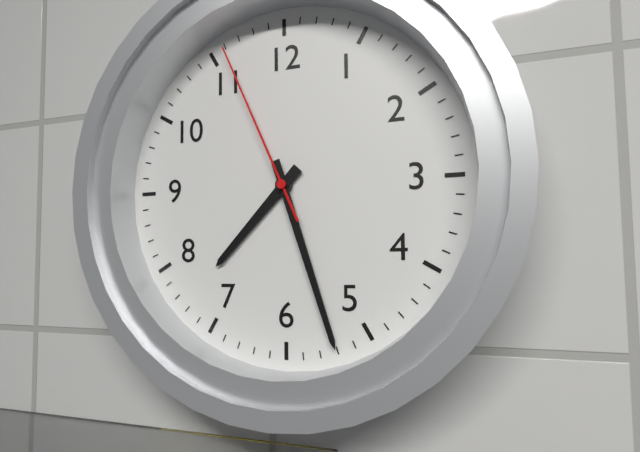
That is h=7 m=27 s=56
